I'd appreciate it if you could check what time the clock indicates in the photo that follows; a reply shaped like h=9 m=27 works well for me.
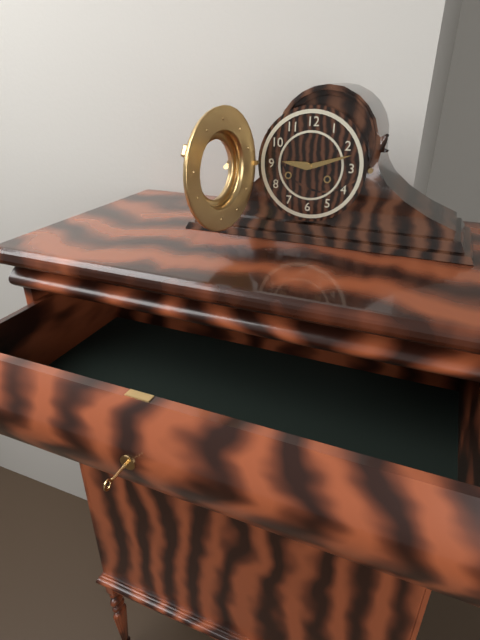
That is h=9 m=12
